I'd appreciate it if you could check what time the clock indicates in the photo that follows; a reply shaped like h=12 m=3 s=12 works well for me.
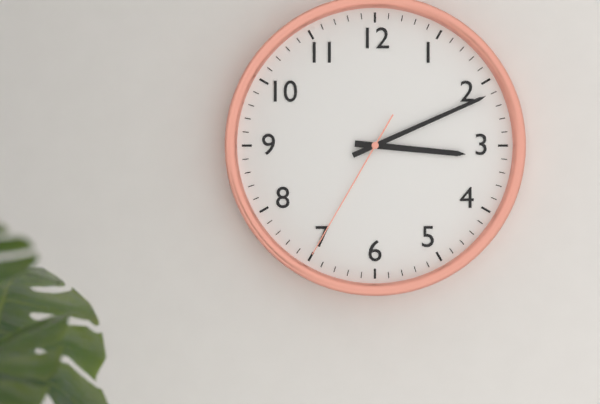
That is h=3 m=11 s=35
